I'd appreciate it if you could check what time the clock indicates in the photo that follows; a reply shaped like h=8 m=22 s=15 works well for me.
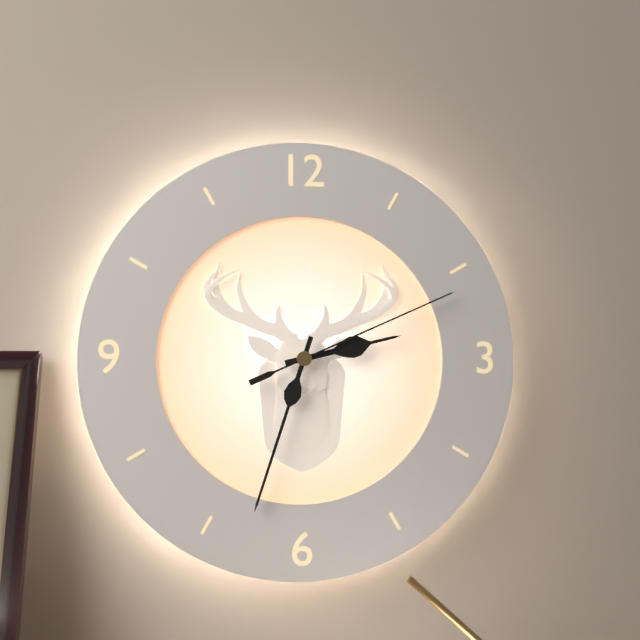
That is h=2 m=33 s=11
